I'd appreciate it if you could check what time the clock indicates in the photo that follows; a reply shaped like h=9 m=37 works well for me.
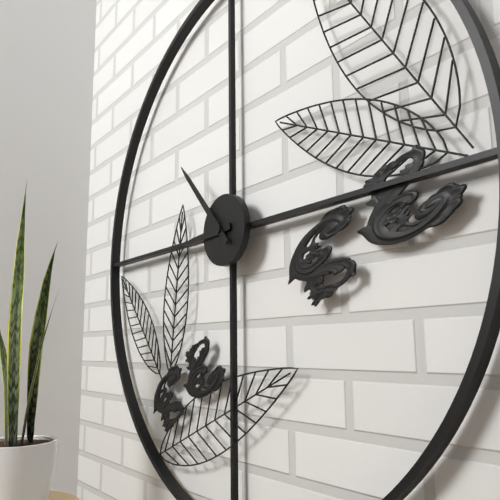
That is h=8 m=53
